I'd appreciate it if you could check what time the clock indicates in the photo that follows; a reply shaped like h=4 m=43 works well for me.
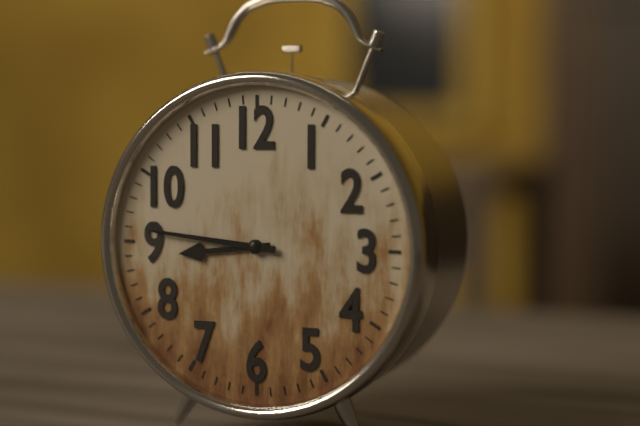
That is h=8 m=46
